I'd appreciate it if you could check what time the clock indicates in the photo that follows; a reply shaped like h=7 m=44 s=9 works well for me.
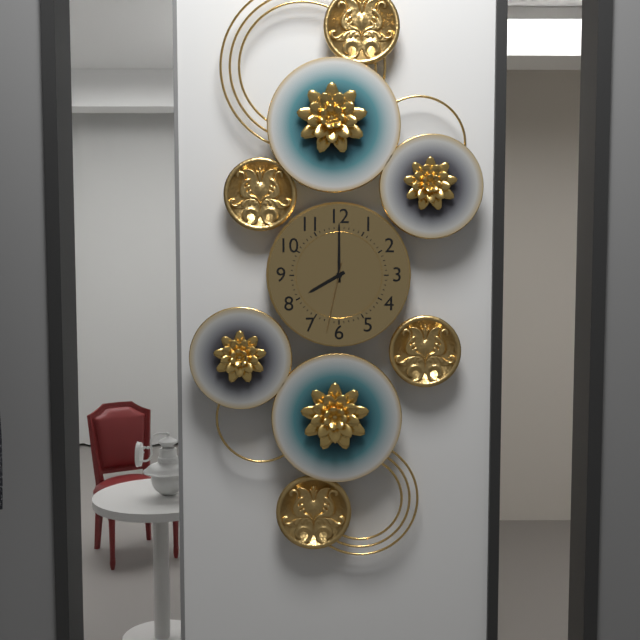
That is h=8 m=0 s=32
